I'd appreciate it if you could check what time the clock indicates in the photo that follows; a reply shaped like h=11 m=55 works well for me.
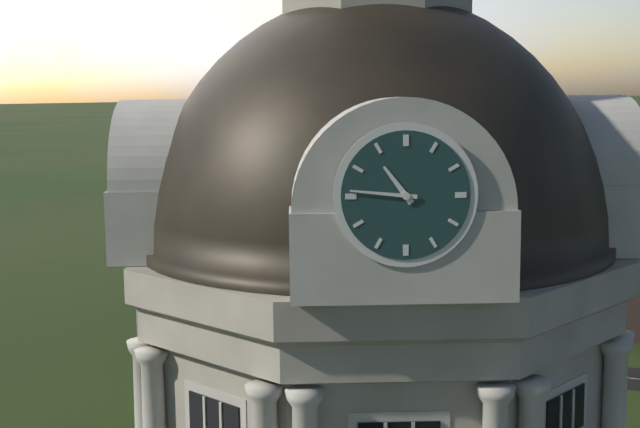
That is h=10 m=46
